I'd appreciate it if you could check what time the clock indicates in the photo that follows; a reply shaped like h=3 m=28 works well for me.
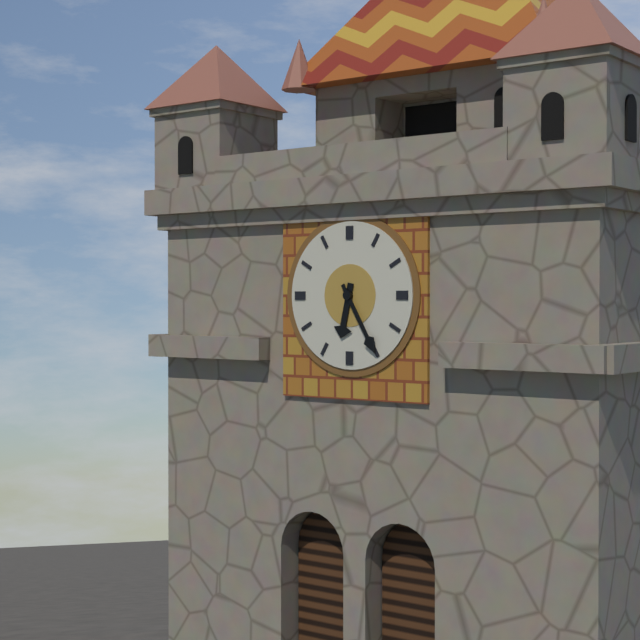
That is h=6 m=25
